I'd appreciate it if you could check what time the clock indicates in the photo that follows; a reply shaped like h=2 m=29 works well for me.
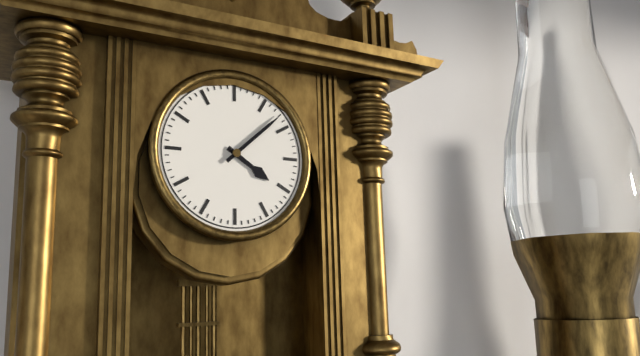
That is h=4 m=8
